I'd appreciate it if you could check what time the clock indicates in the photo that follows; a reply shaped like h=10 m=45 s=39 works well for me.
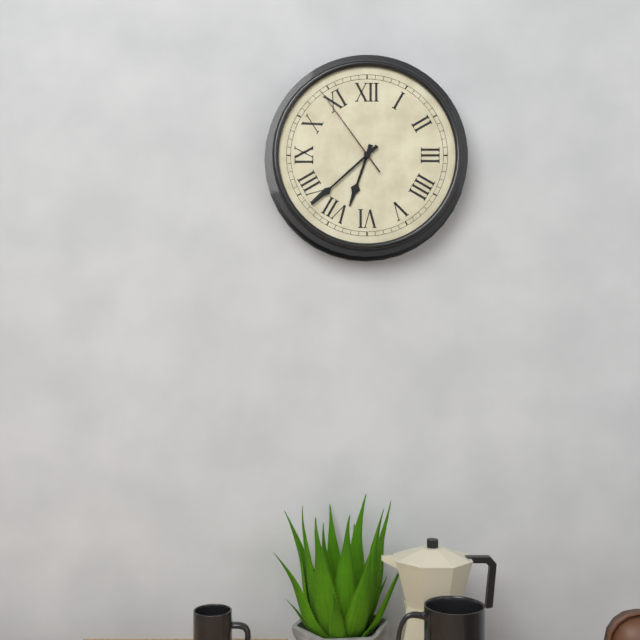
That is h=6 m=38 s=54
